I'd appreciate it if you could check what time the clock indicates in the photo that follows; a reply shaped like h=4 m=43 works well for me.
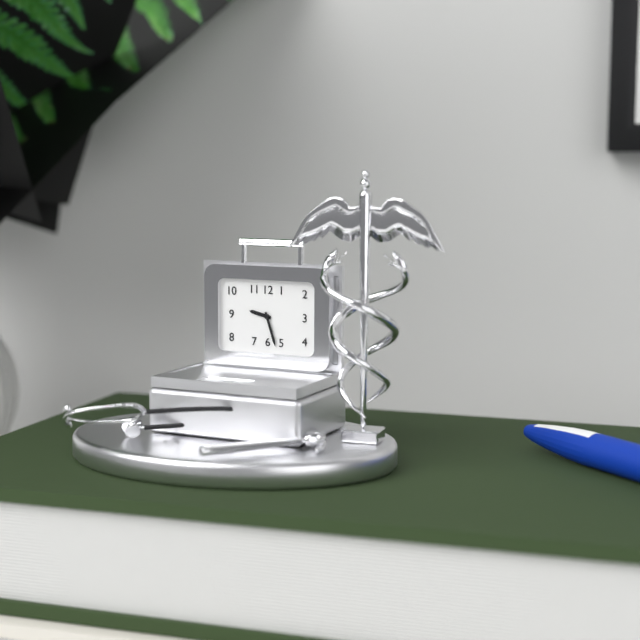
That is h=9 m=27
